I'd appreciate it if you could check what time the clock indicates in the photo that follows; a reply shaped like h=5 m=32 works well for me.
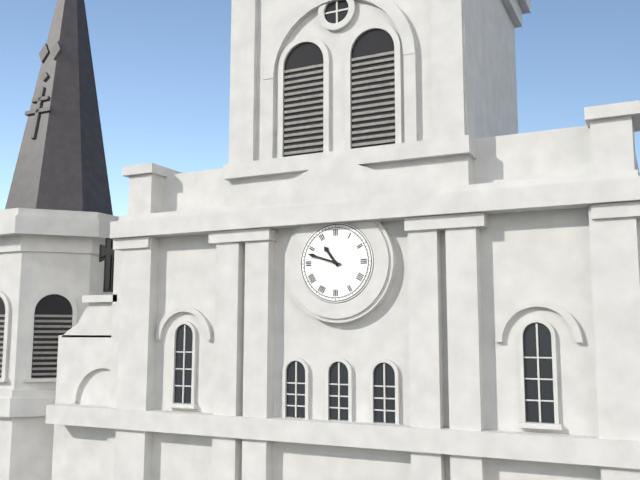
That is h=10 m=48
